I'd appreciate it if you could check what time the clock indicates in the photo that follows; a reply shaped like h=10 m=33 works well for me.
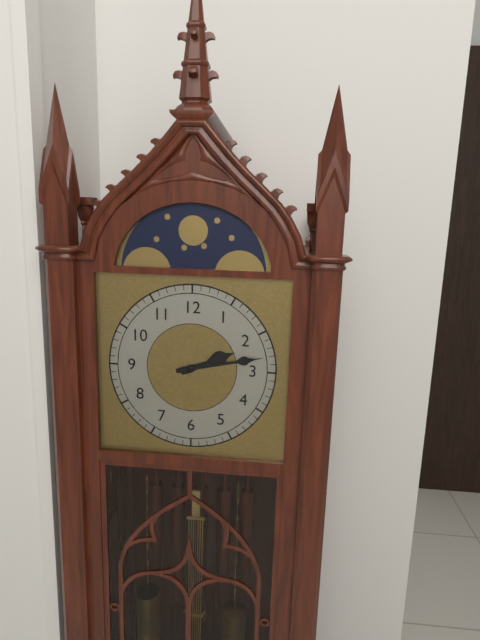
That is h=2 m=13
